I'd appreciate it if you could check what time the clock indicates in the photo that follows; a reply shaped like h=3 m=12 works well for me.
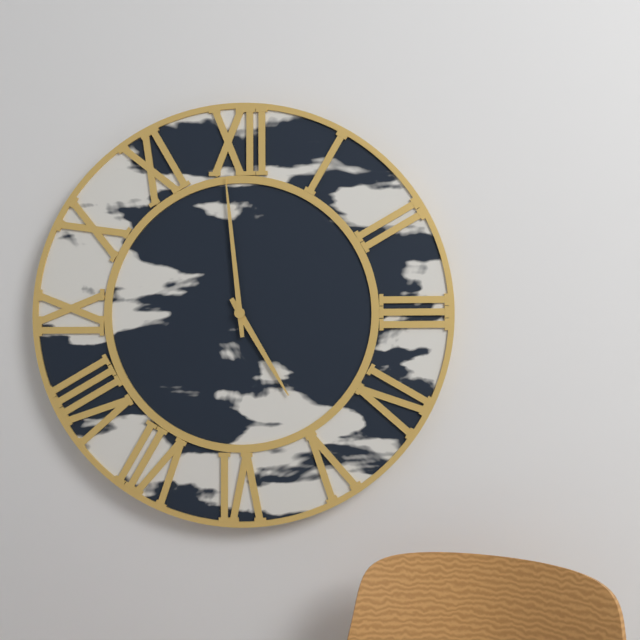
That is h=4 m=59
